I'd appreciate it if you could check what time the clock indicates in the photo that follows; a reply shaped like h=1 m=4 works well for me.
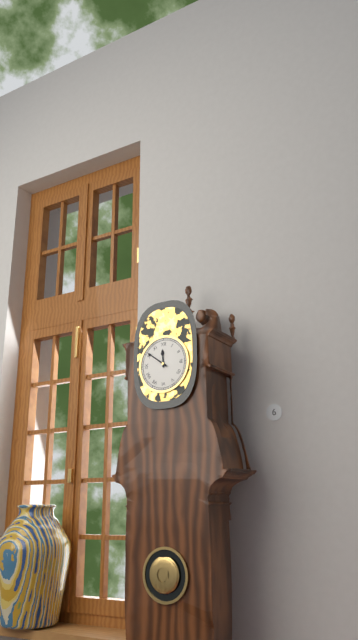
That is h=11 m=51
